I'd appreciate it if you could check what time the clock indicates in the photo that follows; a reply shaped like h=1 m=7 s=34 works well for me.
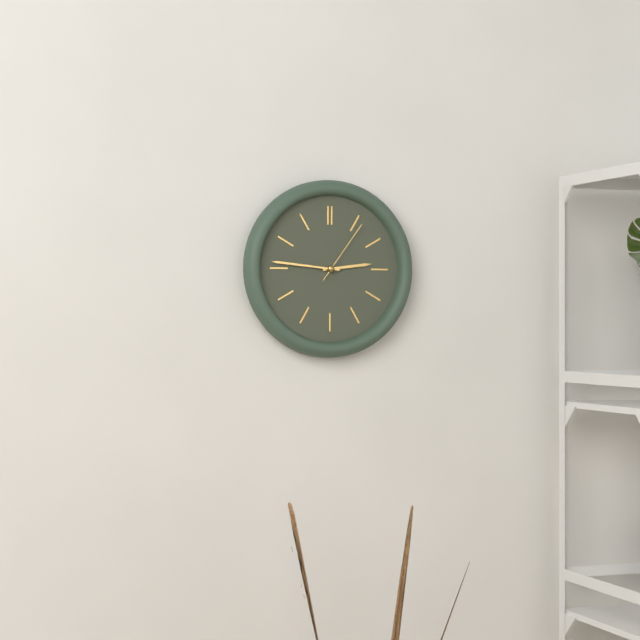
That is h=2 m=46 s=6
